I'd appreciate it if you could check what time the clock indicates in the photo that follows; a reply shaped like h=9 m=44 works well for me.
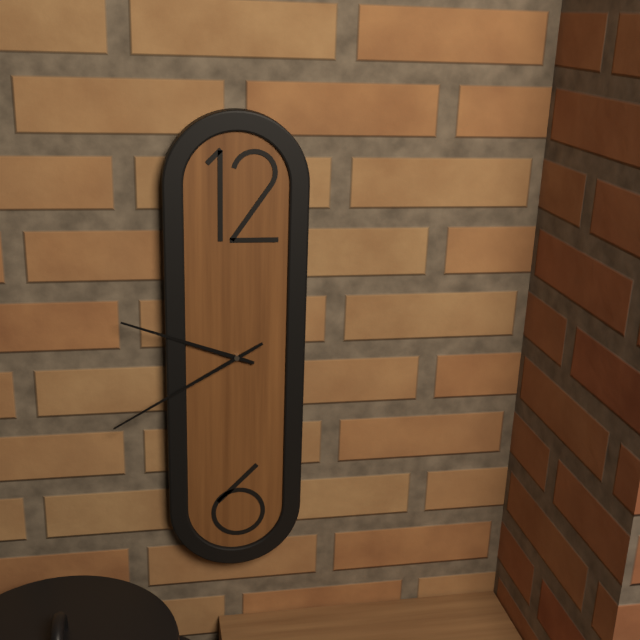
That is h=9 m=40
